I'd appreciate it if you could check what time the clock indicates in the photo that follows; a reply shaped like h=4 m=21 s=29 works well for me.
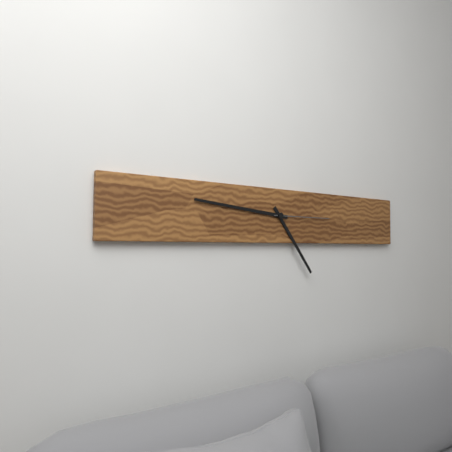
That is h=4 m=46 s=15
